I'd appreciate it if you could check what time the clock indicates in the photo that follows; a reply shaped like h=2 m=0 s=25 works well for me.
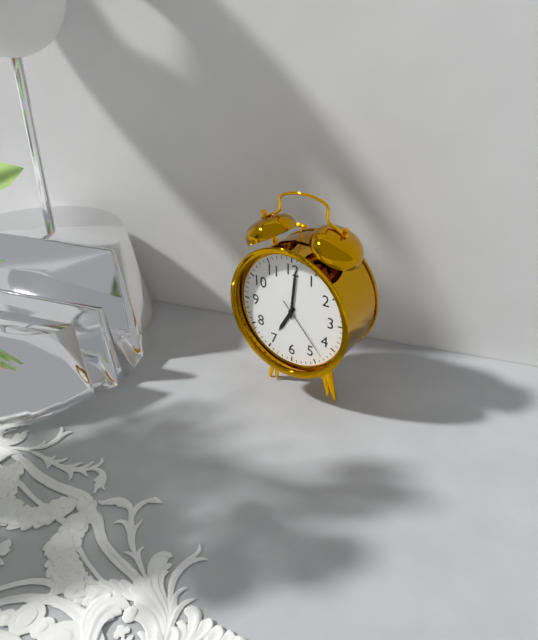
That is h=7 m=1 s=23
